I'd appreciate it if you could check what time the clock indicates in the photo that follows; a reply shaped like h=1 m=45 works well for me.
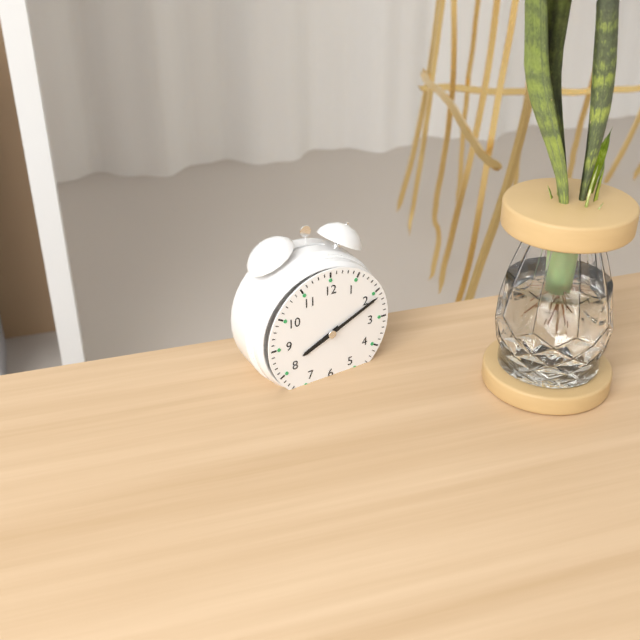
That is h=8 m=11
